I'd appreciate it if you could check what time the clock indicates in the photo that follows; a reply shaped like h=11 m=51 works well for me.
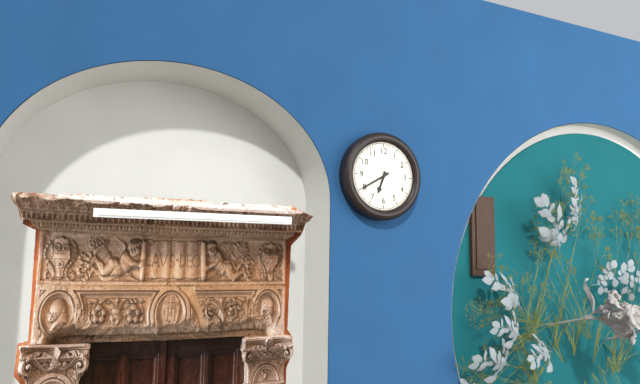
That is h=6 m=40
